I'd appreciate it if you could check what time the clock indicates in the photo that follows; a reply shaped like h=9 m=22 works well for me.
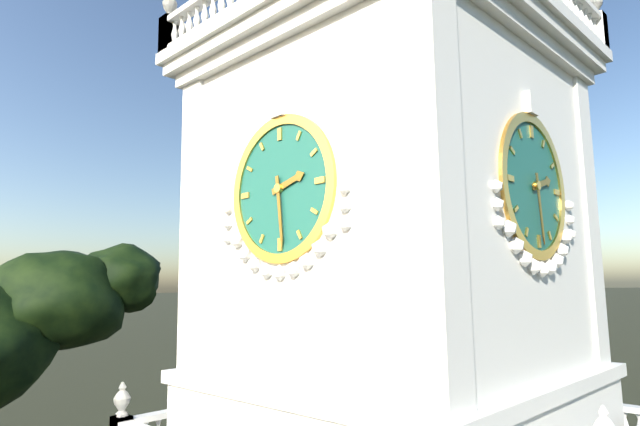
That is h=2 m=29
